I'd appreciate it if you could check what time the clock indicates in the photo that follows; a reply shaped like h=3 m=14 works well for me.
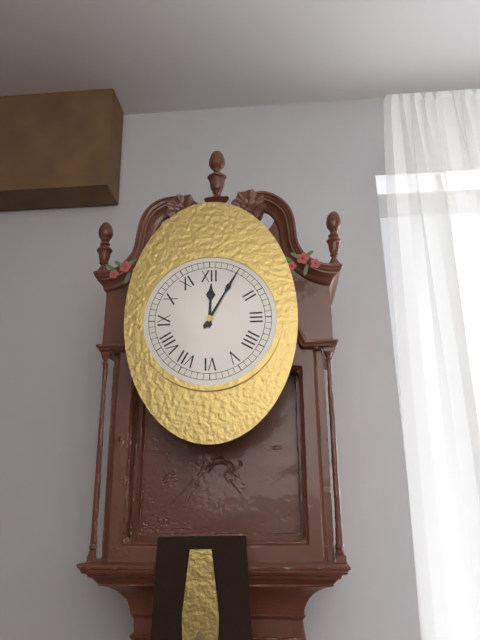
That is h=12 m=5
